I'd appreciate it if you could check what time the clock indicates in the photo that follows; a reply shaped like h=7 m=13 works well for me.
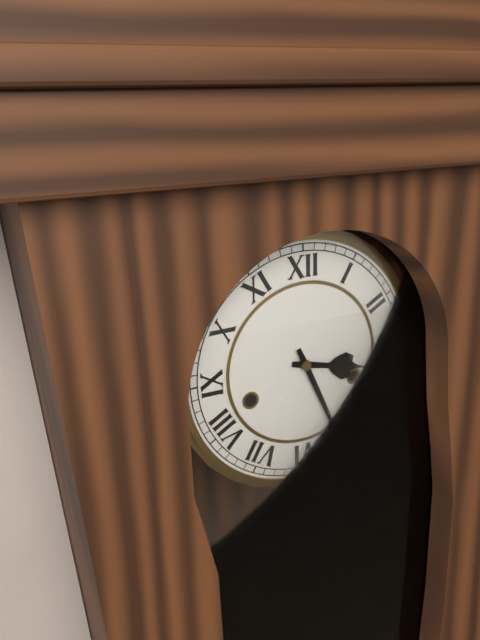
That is h=3 m=26
